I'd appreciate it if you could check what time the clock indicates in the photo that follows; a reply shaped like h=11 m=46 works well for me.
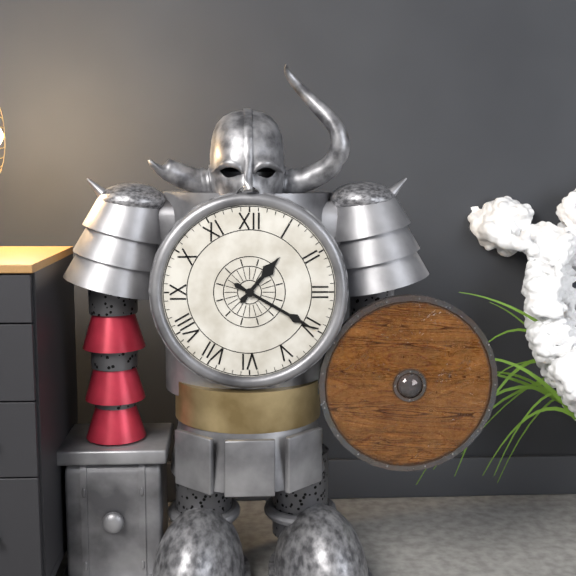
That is h=1 m=20
